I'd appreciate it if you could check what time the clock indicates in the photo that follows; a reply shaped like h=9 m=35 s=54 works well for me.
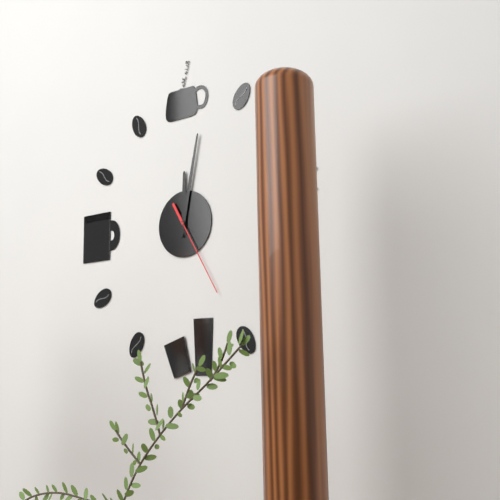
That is h=12 m=2 s=25
